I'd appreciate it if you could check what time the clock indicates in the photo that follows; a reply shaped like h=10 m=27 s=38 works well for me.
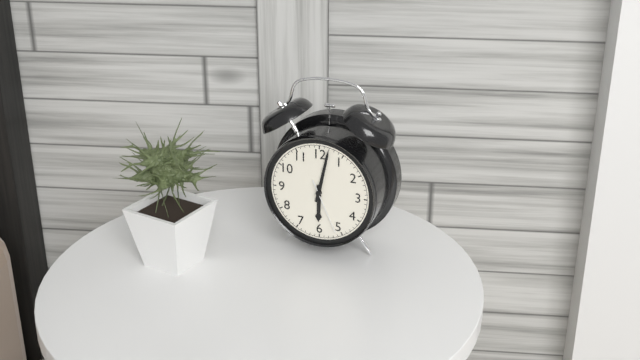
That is h=6 m=2 s=26
